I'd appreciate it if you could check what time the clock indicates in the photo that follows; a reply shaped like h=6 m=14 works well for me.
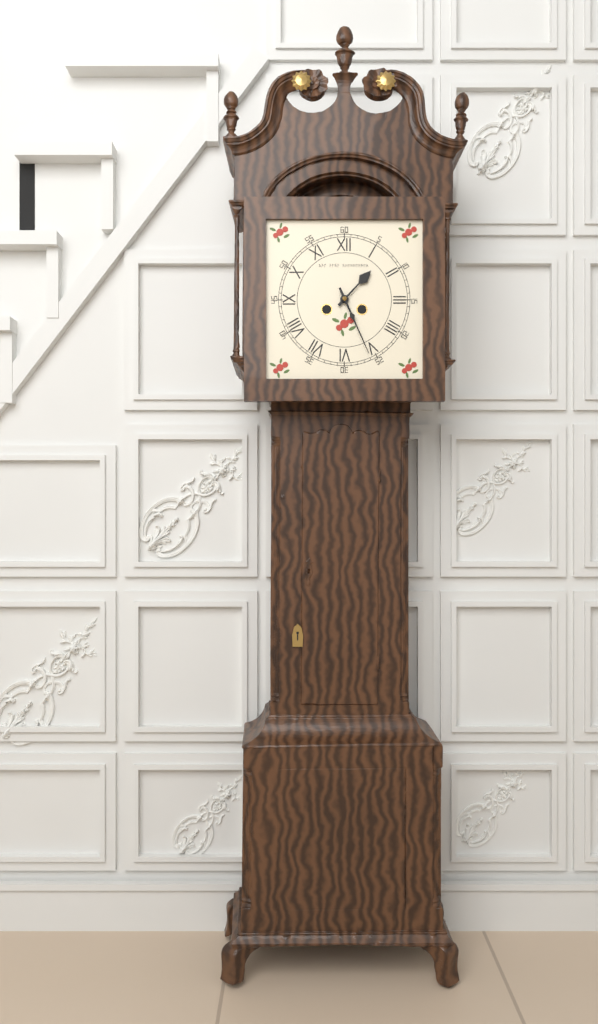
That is h=1 m=26
